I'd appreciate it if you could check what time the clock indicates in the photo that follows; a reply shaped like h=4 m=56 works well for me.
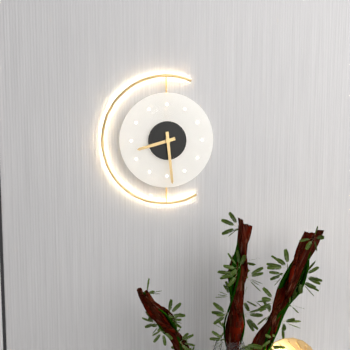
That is h=8 m=29
